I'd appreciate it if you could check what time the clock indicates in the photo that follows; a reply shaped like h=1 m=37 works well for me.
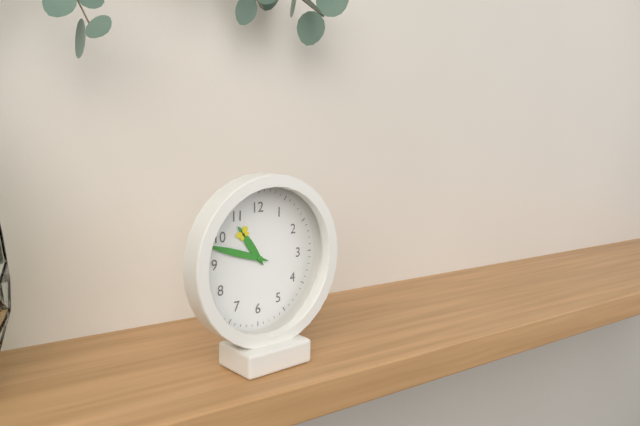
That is h=10 m=48
